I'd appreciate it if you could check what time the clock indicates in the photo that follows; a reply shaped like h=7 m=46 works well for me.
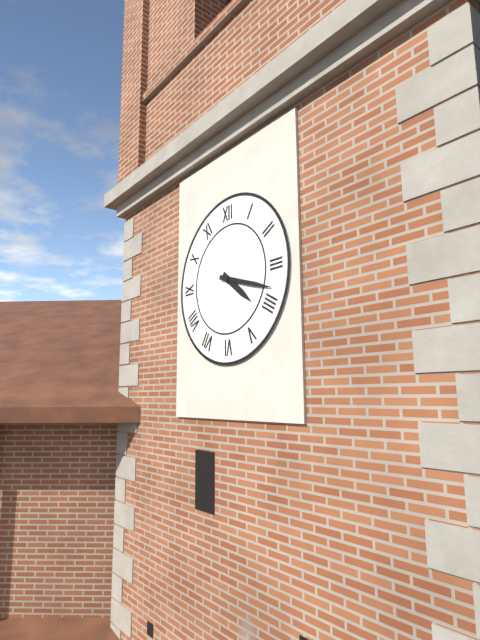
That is h=4 m=18
